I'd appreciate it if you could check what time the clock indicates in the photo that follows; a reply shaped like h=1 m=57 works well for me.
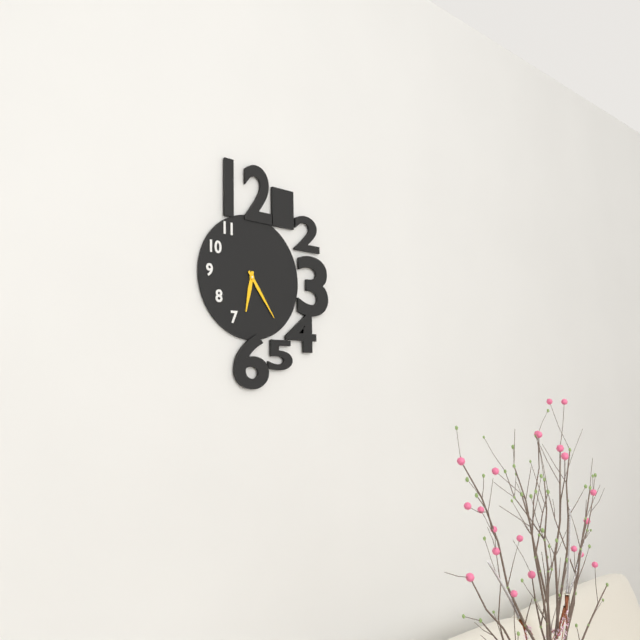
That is h=6 m=24
